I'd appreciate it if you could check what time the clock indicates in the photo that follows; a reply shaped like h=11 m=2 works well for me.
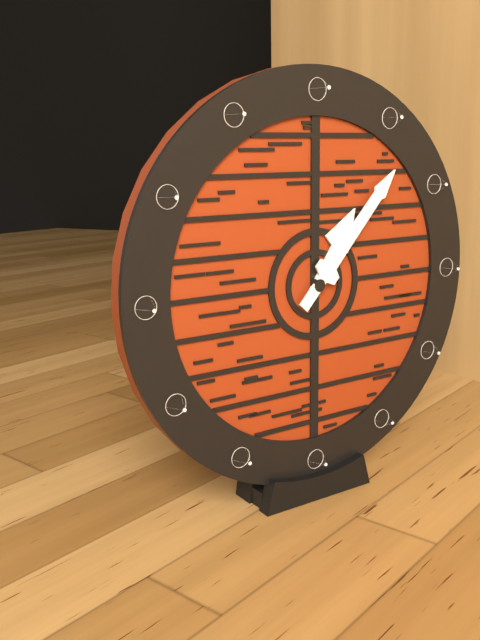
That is h=1 m=7
